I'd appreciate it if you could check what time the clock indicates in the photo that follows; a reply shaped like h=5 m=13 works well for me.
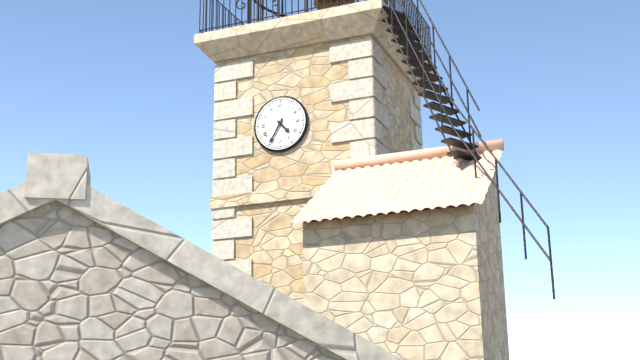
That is h=4 m=35
